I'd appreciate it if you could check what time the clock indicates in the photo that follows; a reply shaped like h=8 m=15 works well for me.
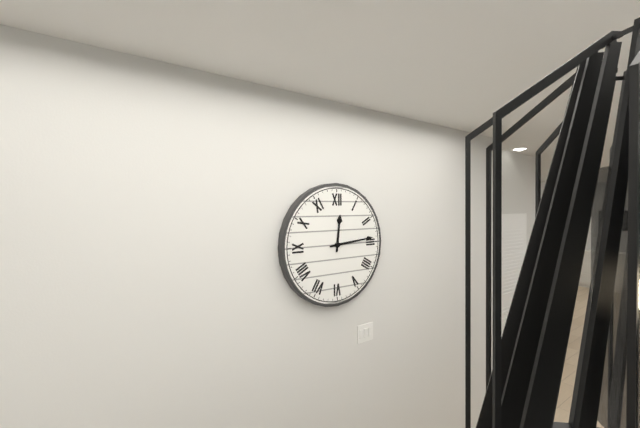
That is h=12 m=14
